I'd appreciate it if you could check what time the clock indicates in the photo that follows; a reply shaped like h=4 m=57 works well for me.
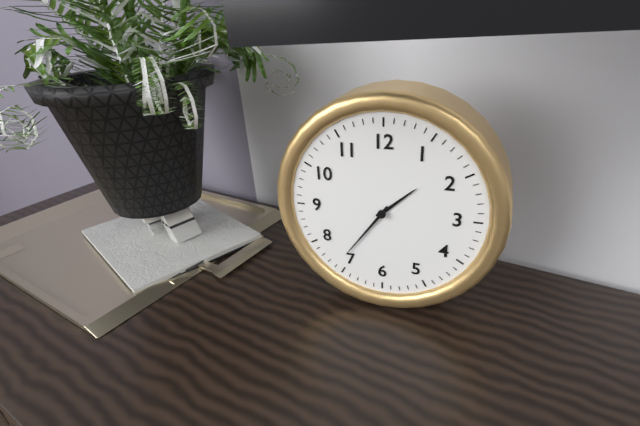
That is h=1 m=36
